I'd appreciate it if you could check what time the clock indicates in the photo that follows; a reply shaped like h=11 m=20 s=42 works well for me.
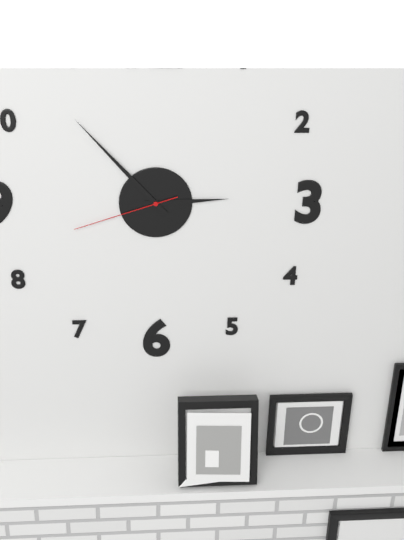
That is h=2 m=53 s=42
